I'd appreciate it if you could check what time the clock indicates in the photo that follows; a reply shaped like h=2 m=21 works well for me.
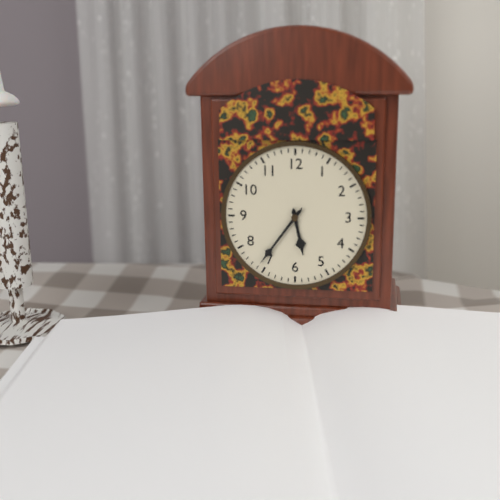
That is h=5 m=36
